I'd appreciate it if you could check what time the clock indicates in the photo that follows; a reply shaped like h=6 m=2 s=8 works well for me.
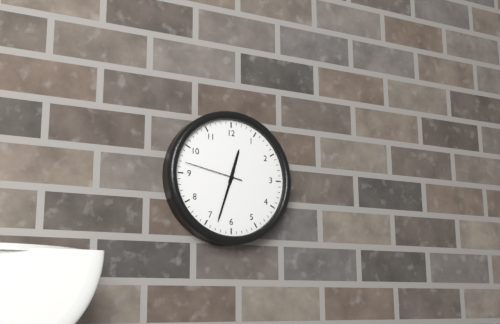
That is h=12 m=33 s=47
